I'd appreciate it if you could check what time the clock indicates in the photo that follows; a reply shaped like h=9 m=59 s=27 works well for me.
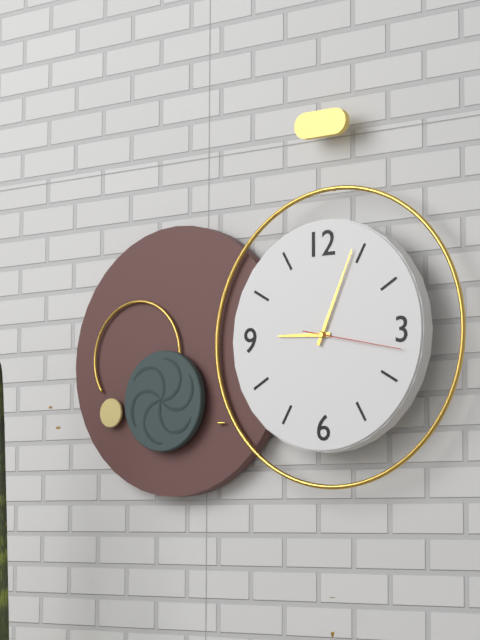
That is h=9 m=4 s=17
